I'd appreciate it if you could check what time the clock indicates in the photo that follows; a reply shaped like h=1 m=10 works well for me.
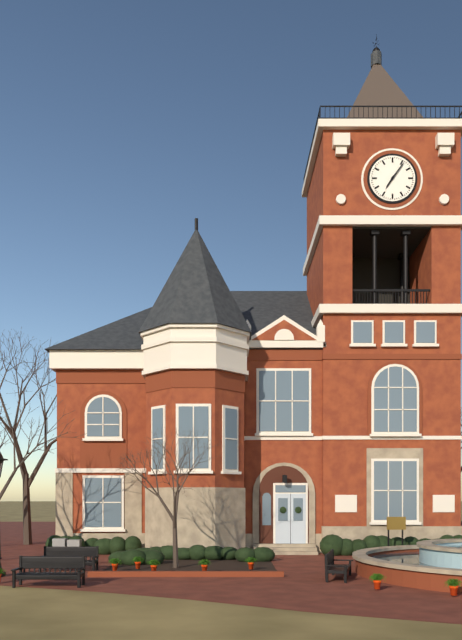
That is h=7 m=6
